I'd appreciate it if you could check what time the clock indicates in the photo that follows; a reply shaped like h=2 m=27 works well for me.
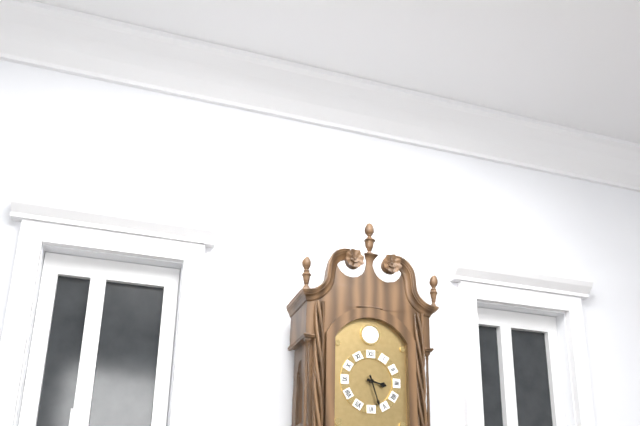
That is h=3 m=27
